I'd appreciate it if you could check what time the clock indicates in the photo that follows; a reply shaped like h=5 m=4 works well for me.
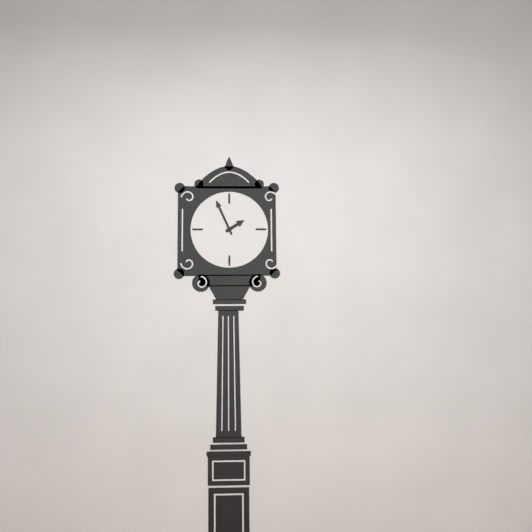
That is h=1 m=56
